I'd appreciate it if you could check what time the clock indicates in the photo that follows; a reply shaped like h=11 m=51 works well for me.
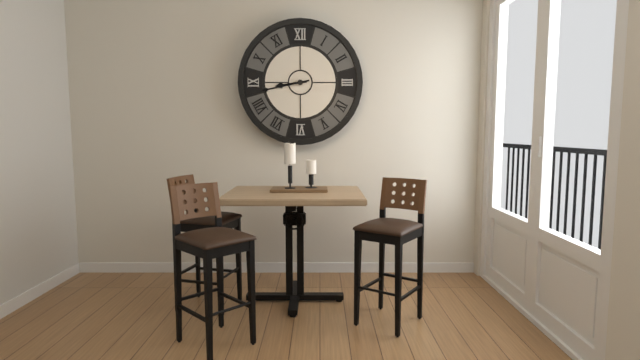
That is h=8 m=43
